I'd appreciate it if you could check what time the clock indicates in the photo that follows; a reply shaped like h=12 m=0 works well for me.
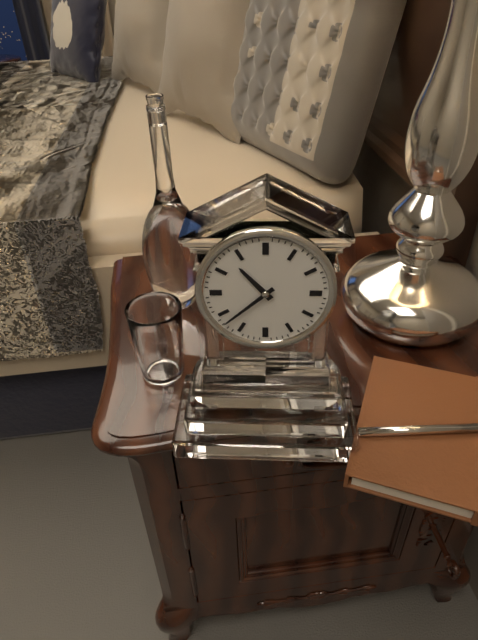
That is h=10 m=38
